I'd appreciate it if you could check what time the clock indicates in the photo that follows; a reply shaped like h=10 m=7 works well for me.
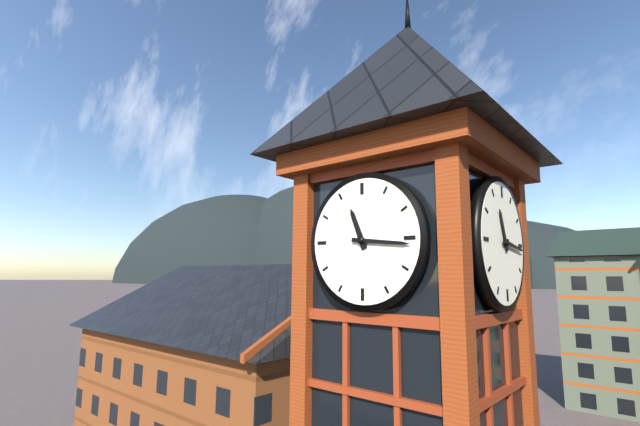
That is h=11 m=16
